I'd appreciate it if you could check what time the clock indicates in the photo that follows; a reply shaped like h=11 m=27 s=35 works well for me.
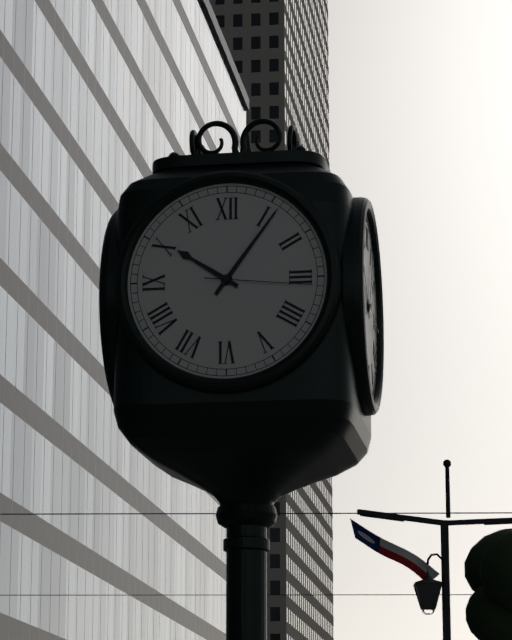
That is h=10 m=6 s=16
